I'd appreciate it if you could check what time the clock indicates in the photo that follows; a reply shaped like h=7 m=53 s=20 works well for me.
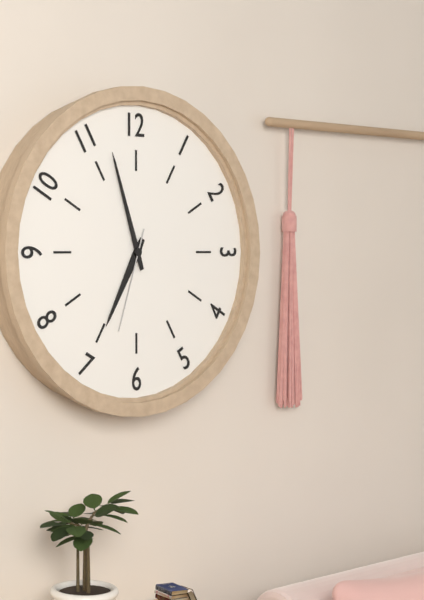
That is h=6 m=57 s=33
